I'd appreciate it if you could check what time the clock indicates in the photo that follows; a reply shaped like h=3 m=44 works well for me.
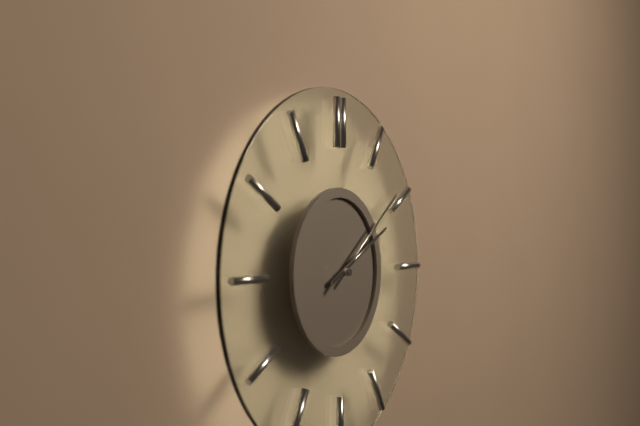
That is h=2 m=9
